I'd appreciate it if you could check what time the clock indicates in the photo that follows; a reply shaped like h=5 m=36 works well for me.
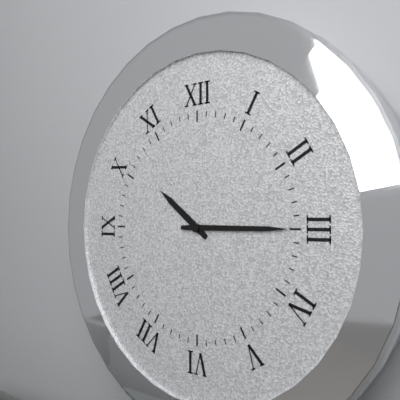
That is h=10 m=15
